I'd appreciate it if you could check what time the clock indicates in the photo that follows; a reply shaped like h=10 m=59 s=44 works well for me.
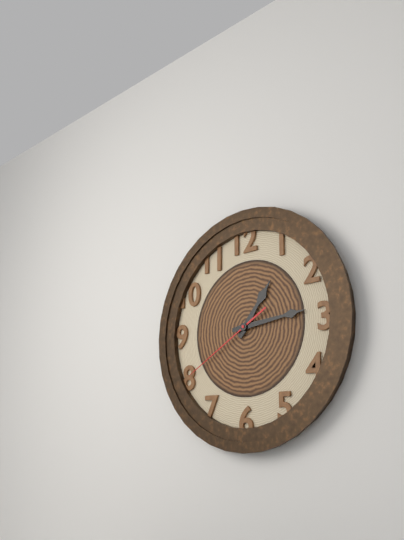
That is h=1 m=14 s=40
